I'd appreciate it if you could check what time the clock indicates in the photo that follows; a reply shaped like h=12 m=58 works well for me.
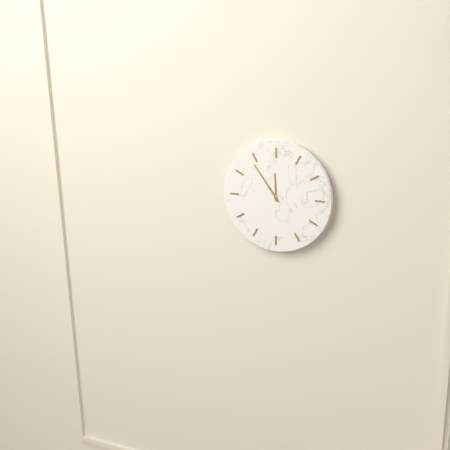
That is h=11 m=54
